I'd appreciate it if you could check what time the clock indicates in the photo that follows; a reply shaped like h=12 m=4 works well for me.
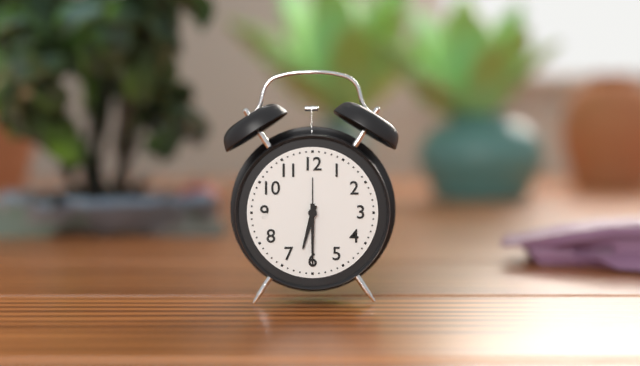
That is h=6 m=30
